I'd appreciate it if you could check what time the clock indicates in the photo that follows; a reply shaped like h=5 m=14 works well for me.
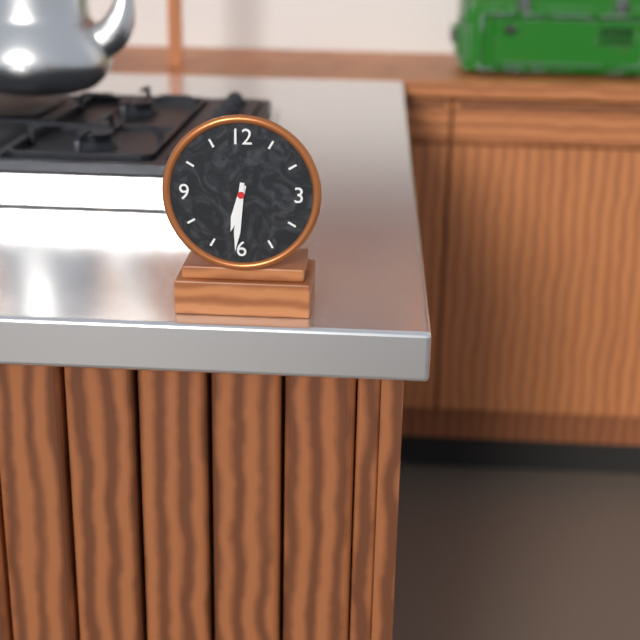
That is h=6 m=31
